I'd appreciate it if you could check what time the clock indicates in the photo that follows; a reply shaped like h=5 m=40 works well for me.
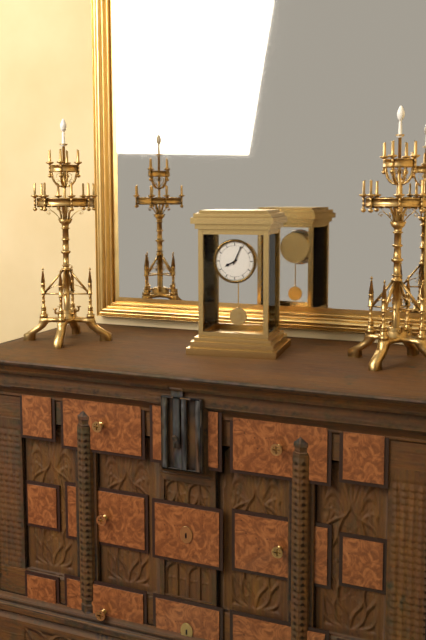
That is h=8 m=4
